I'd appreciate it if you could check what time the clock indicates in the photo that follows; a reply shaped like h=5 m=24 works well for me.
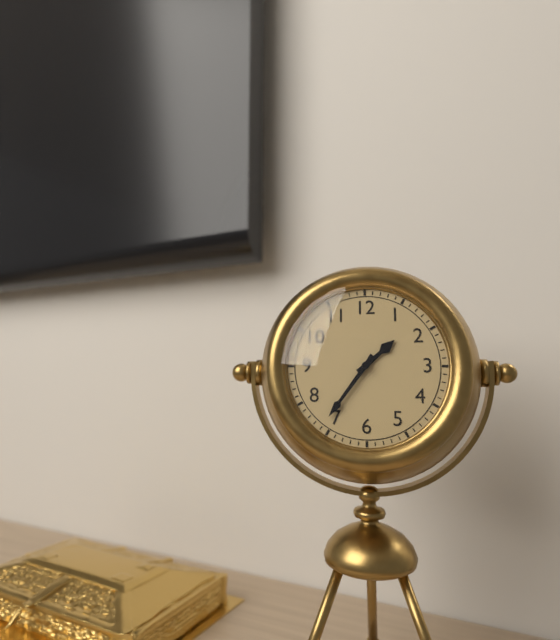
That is h=1 m=36
